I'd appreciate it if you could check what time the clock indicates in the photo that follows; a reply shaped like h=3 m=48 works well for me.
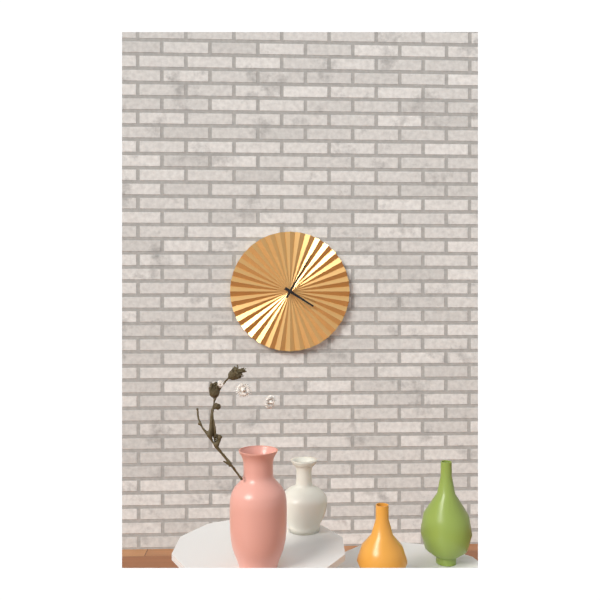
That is h=4 m=5
